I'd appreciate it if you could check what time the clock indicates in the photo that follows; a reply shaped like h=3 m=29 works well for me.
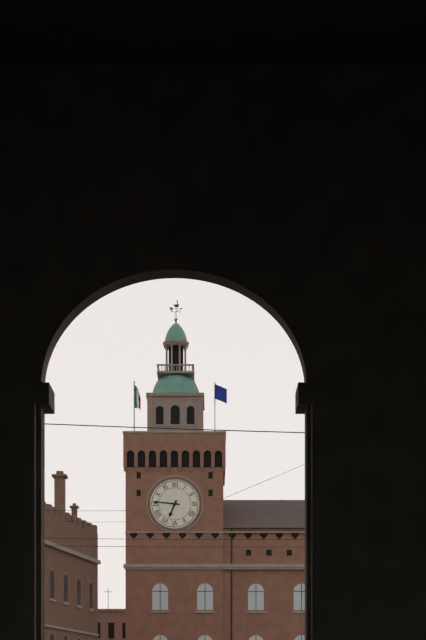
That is h=6 m=46
